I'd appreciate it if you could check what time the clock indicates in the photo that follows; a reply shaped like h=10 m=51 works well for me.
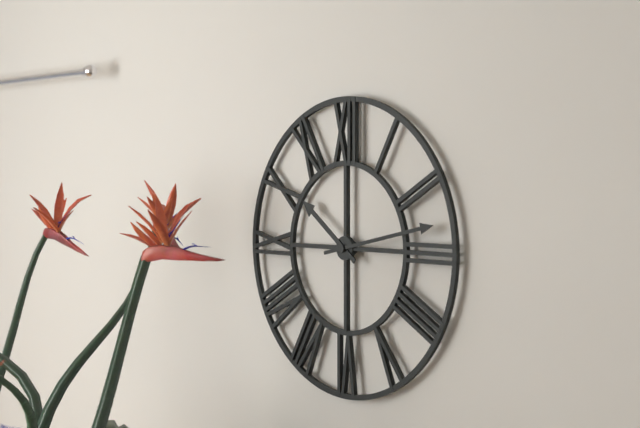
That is h=10 m=13
